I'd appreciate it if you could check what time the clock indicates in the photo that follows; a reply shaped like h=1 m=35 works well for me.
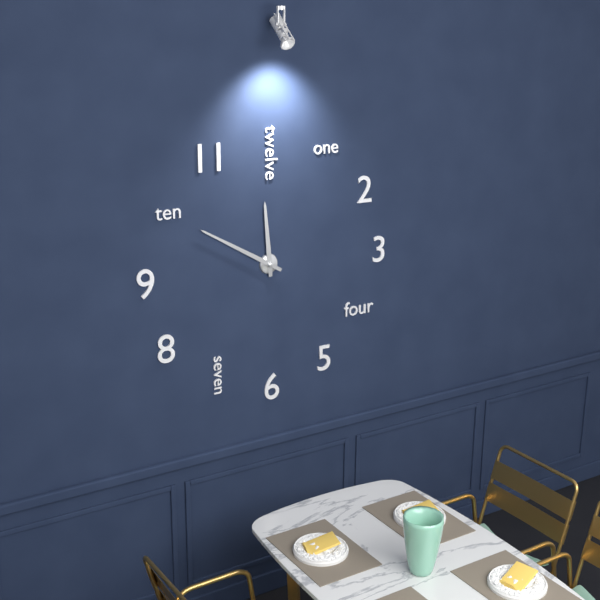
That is h=11 m=50
